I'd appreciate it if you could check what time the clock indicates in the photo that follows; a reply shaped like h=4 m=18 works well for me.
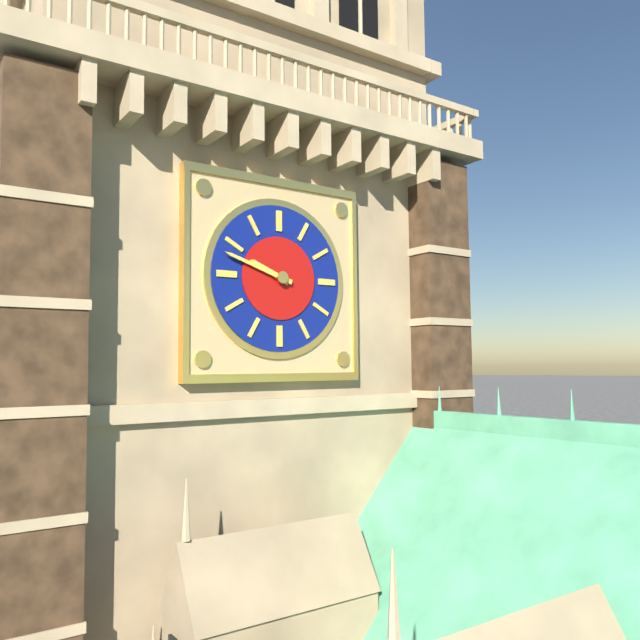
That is h=9 m=48
